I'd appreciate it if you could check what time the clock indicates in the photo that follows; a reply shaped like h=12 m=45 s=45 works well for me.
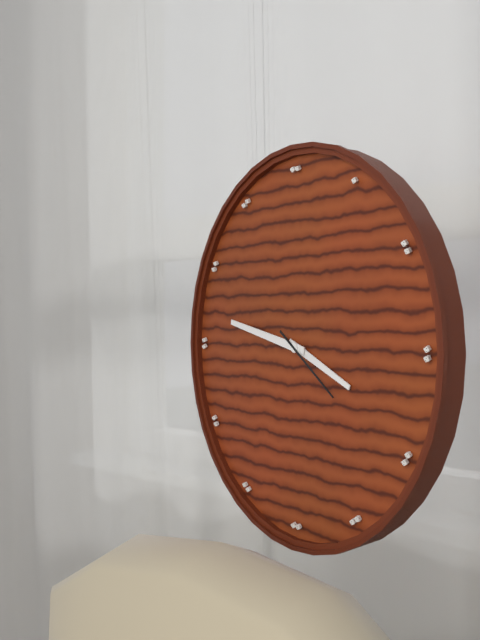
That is h=3 m=47 s=21
